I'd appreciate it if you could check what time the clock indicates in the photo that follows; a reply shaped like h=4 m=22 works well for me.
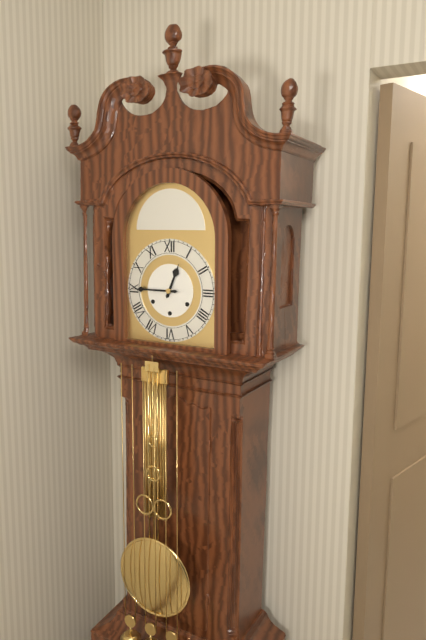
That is h=12 m=45
